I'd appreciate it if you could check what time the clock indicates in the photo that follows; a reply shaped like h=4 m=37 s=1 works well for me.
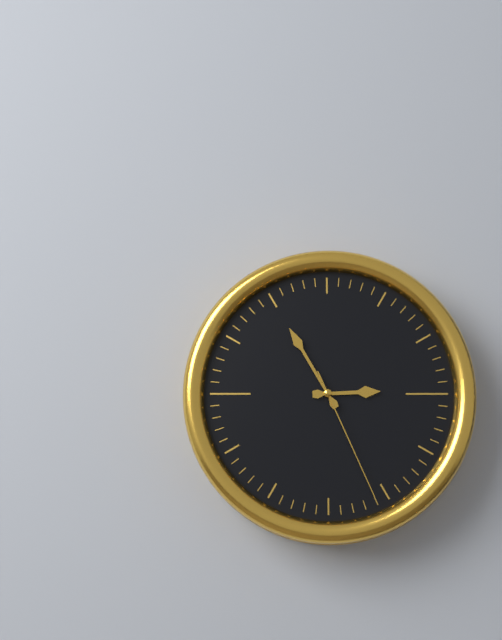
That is h=2 m=55 s=26
